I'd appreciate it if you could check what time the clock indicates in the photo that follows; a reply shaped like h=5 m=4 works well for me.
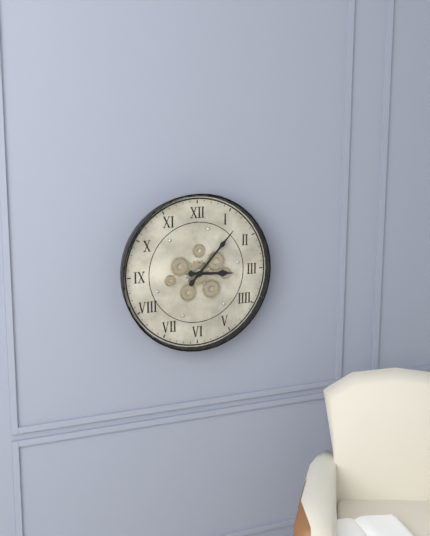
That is h=3 m=7
